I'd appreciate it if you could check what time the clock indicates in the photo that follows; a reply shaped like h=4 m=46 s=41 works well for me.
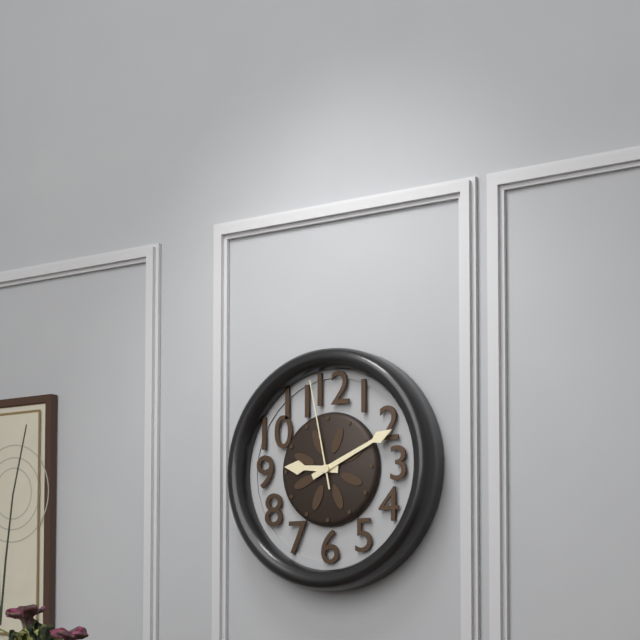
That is h=9 m=11 s=58
